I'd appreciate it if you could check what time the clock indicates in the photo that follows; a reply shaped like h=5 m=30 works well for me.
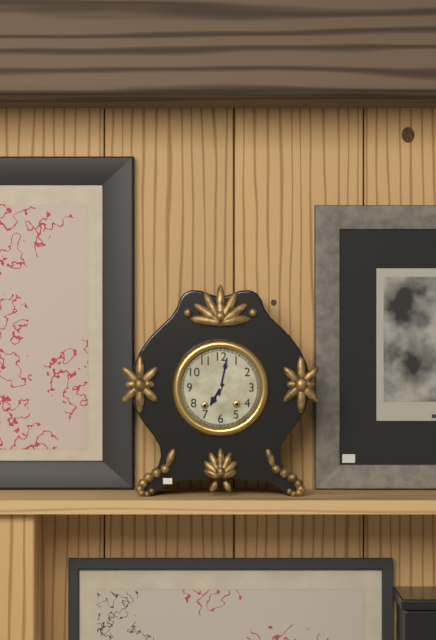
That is h=7 m=2
